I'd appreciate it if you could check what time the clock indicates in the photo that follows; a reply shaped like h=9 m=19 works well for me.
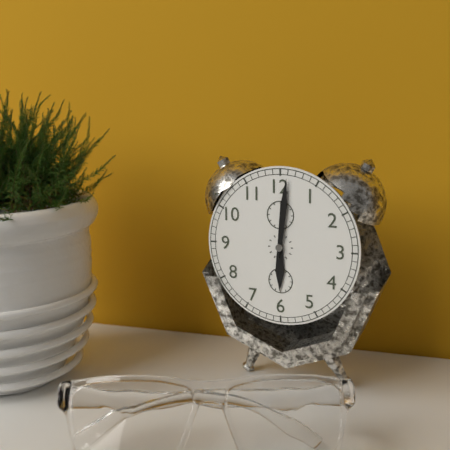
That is h=6 m=1
